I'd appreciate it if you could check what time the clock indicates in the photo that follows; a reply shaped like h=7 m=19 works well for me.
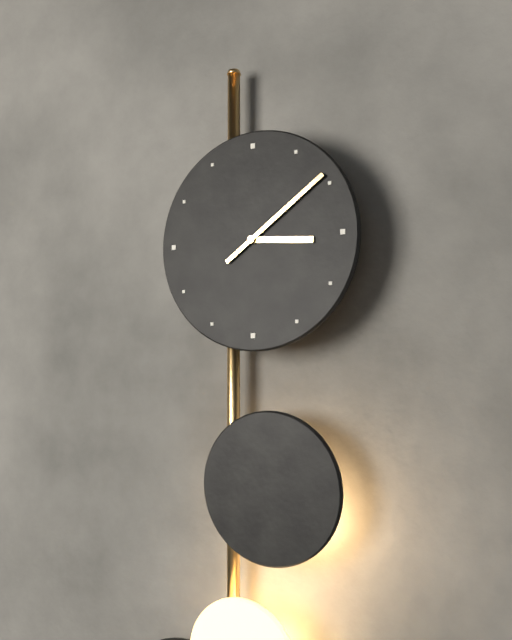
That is h=3 m=9
